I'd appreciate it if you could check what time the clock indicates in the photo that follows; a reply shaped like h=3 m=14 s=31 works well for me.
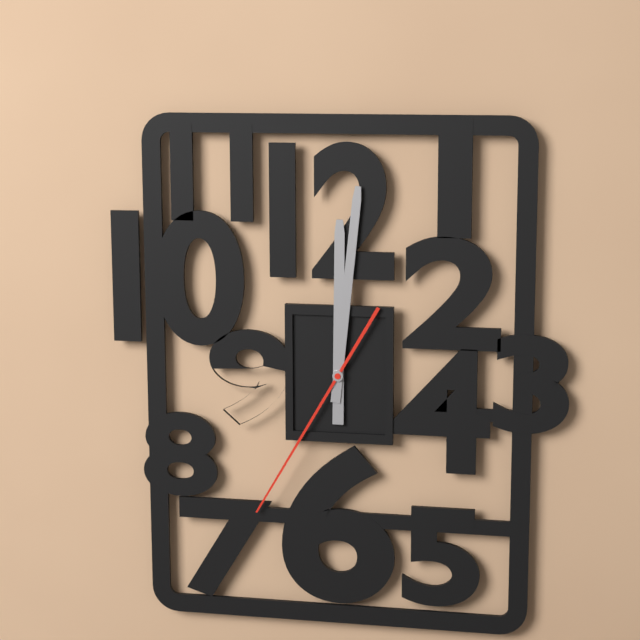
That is h=12 m=1 s=35
